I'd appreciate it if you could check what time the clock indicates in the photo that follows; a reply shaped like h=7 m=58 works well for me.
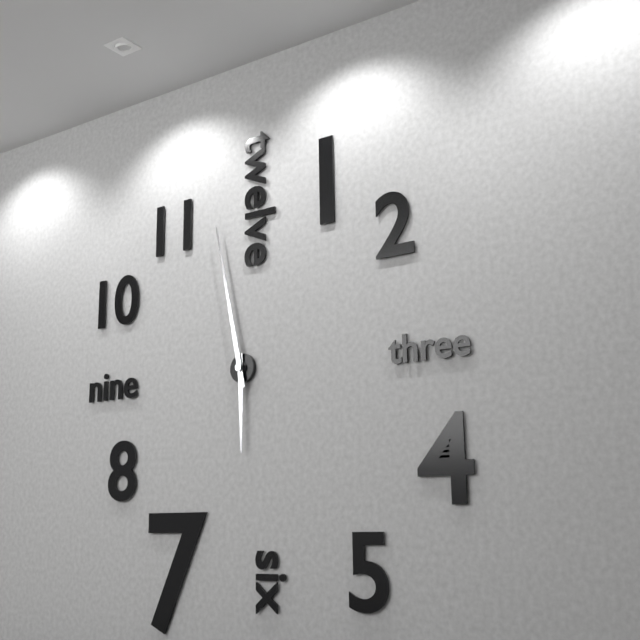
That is h=5 m=58
